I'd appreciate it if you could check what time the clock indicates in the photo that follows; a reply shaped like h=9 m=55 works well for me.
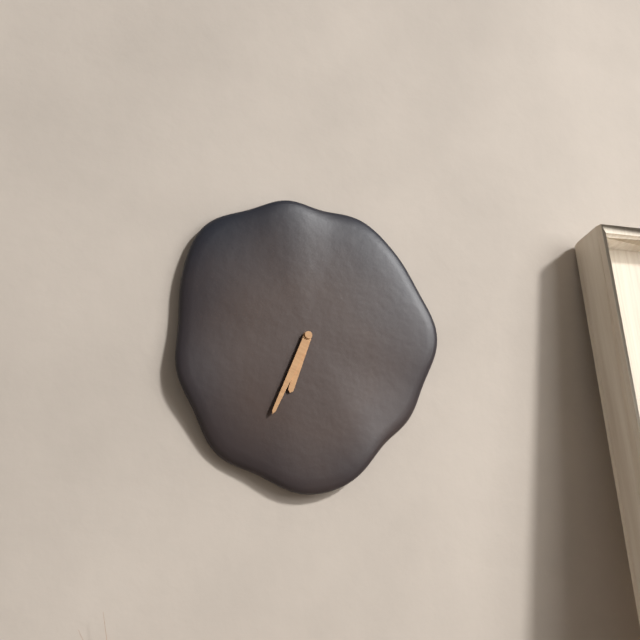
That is h=6 m=34
